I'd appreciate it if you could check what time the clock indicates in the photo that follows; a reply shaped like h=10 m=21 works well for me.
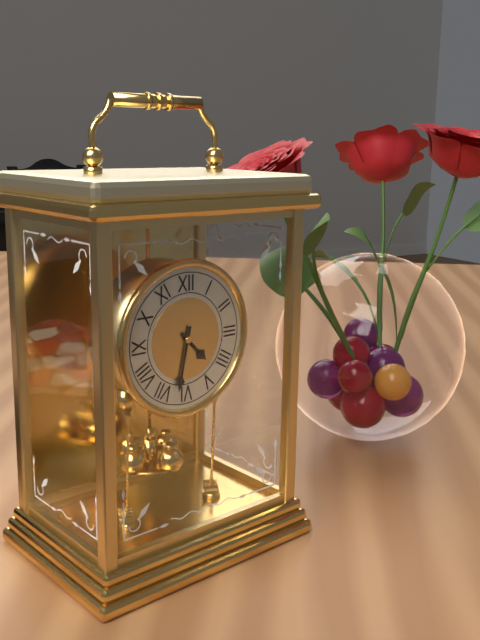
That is h=4 m=32
